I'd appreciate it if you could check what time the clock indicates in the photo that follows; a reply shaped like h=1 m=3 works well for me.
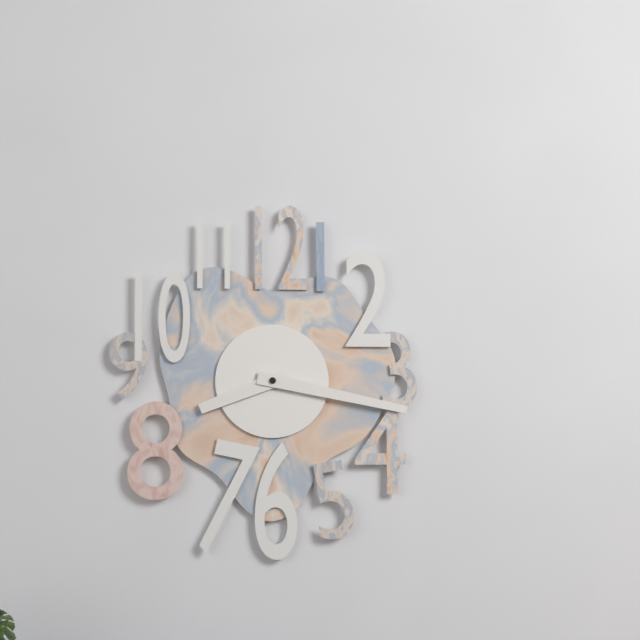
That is h=8 m=17
